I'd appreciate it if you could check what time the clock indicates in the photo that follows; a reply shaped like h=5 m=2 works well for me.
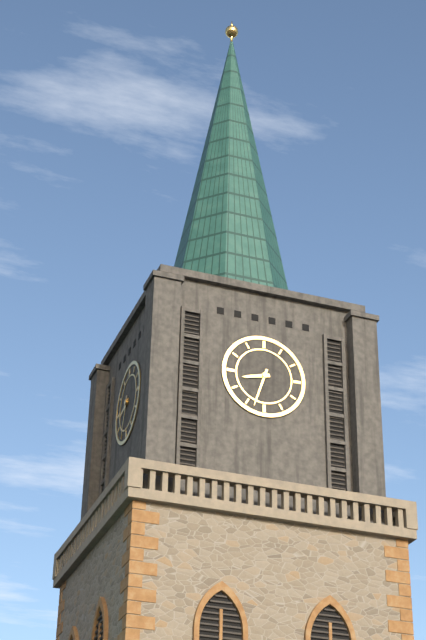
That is h=8 m=33
